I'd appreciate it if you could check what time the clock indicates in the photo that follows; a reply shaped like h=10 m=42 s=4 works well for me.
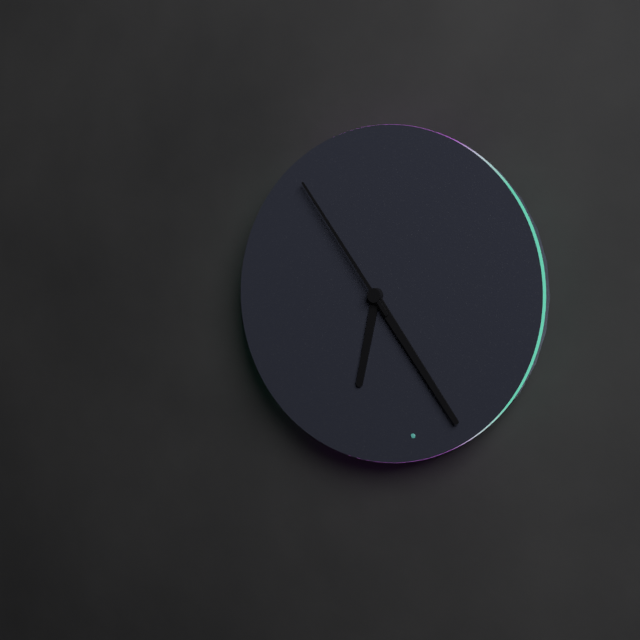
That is h=6 m=24 s=54
